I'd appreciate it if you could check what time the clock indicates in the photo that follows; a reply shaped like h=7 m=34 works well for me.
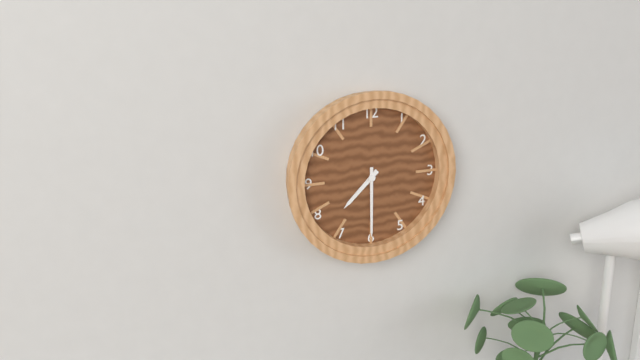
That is h=7 m=30
